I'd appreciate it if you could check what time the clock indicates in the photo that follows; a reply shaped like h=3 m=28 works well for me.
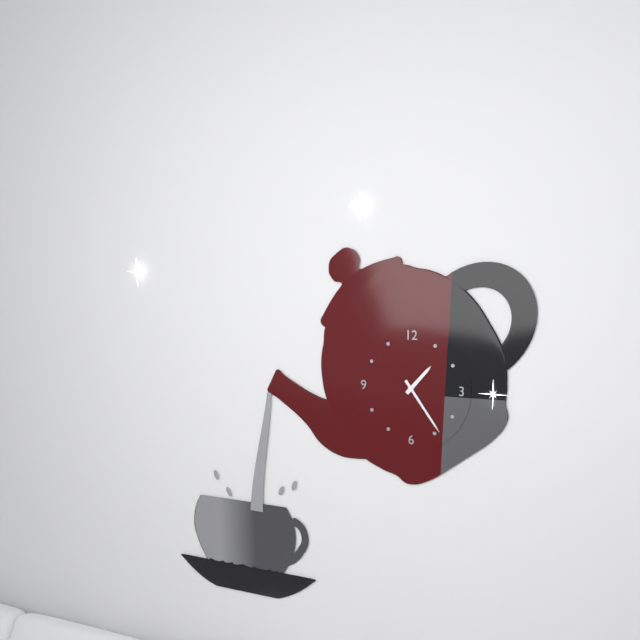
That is h=1 m=24
